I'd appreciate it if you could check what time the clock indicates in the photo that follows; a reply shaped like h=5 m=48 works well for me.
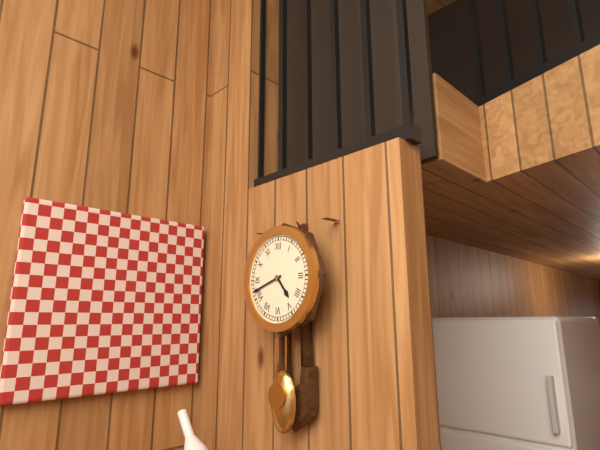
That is h=4 m=42
